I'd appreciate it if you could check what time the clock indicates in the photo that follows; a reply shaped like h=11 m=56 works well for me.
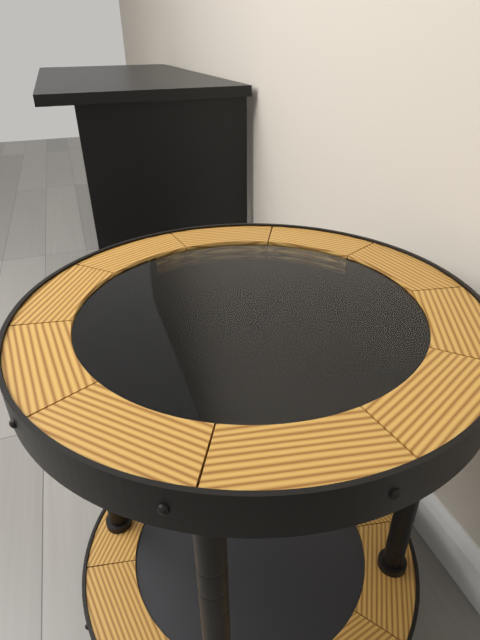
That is h=5 m=21
